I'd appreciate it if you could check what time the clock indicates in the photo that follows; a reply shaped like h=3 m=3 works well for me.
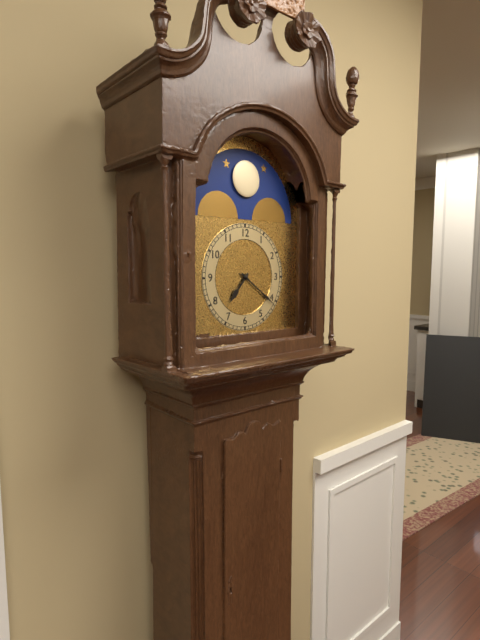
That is h=7 m=21
